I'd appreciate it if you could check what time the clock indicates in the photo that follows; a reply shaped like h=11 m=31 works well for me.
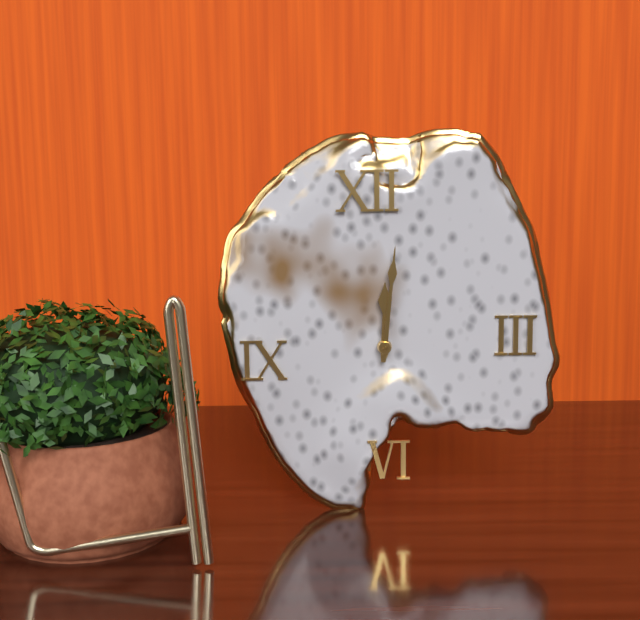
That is h=12 m=1
